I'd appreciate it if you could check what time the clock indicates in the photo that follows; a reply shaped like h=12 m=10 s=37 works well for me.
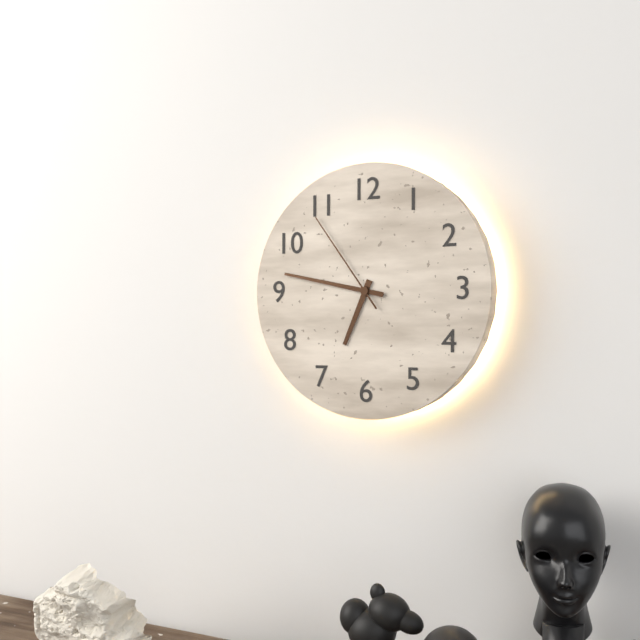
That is h=6 m=47 s=54
